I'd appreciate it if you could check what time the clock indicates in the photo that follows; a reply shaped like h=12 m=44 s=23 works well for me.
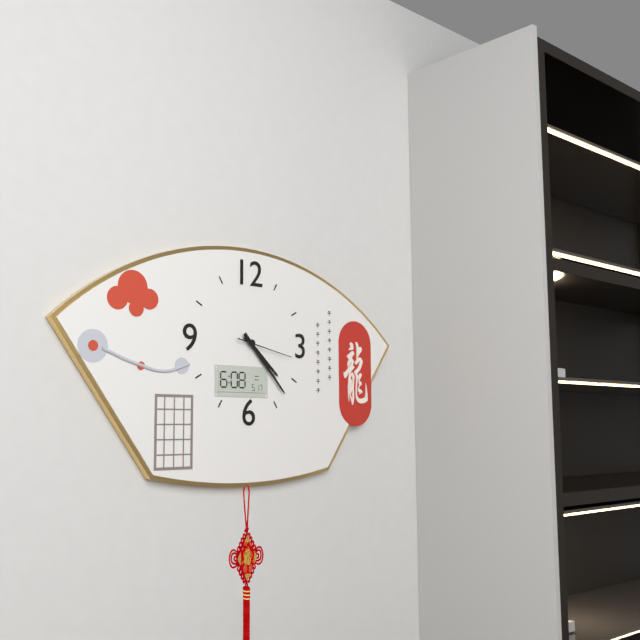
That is h=4 m=23 s=17
